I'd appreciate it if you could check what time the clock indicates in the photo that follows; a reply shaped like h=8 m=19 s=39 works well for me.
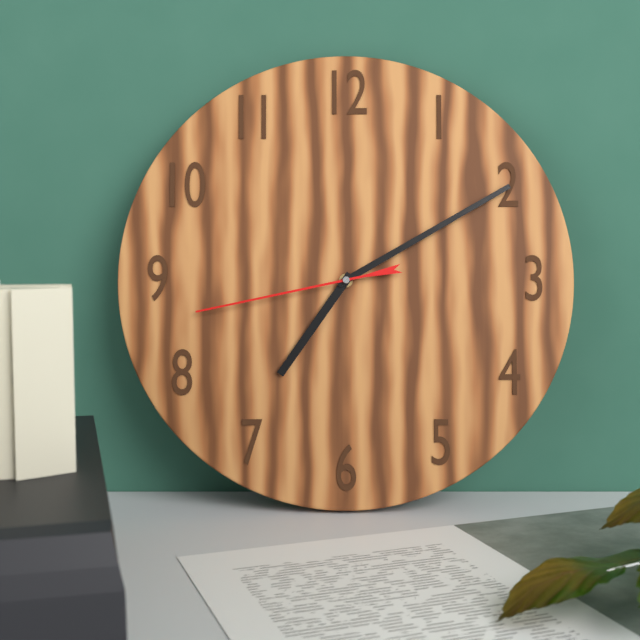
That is h=7 m=10 s=43
